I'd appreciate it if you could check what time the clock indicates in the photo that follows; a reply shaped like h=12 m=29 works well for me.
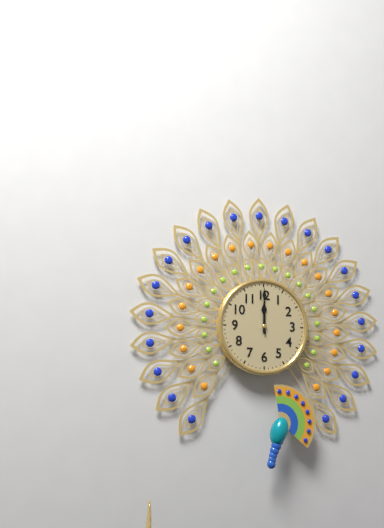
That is h=12 m=0
